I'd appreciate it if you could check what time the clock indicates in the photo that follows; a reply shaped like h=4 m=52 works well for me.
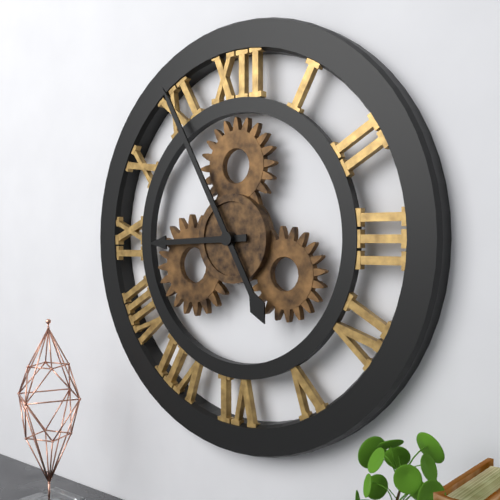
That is h=8 m=55
